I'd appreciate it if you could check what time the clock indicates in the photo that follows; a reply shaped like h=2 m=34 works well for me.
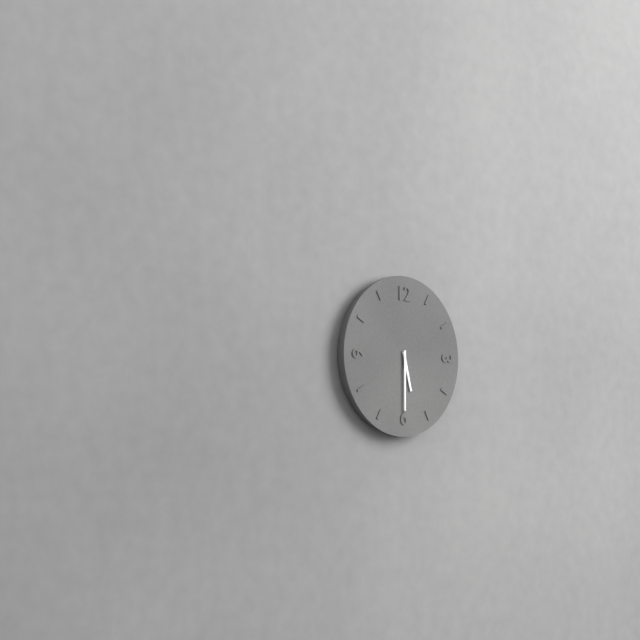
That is h=5 m=30
